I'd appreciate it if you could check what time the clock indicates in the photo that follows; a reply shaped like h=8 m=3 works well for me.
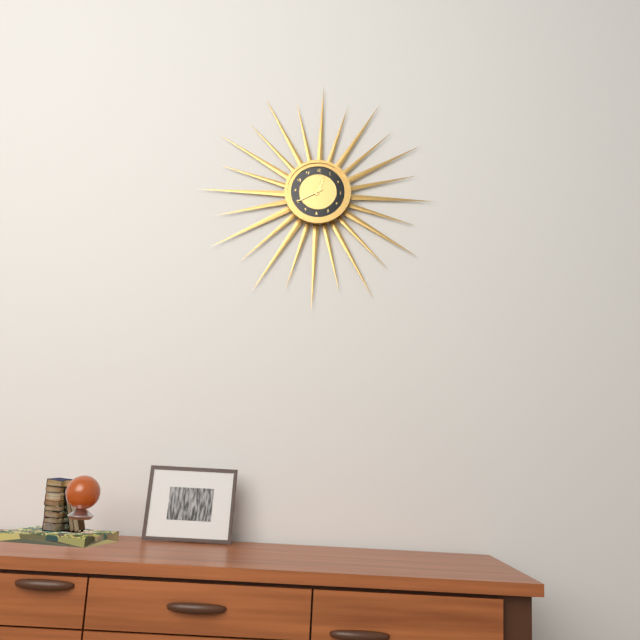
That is h=12 m=40
